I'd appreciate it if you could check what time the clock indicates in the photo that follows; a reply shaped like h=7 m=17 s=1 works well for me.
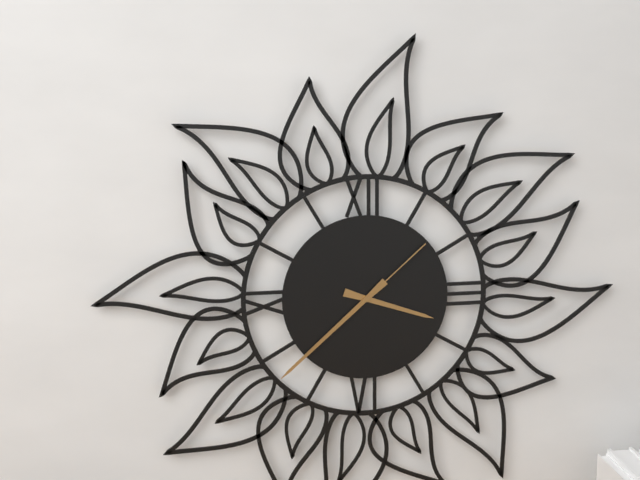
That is h=3 m=38 s=8
